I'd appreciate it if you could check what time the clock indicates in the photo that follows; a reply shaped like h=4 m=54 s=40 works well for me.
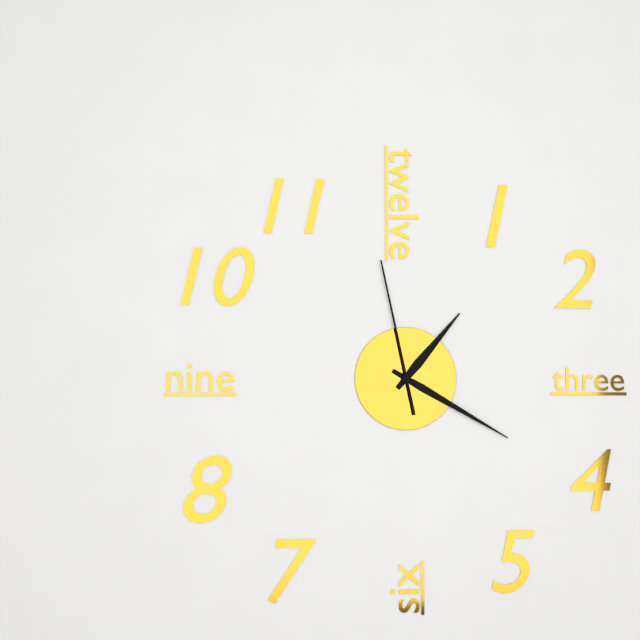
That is h=1 m=20 s=58
